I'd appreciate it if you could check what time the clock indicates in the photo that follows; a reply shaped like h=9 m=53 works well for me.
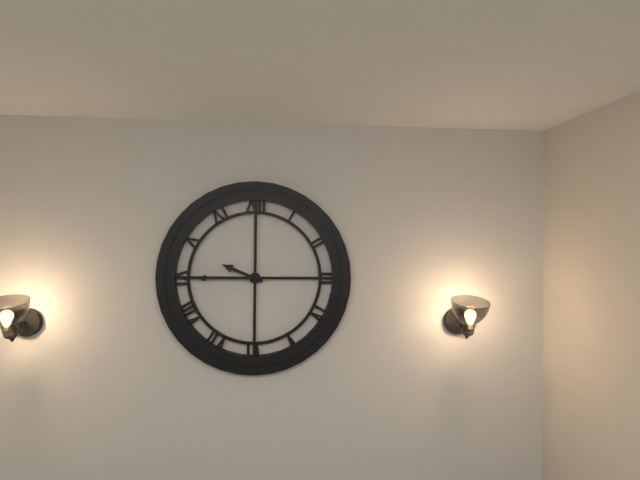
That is h=9 m=45
